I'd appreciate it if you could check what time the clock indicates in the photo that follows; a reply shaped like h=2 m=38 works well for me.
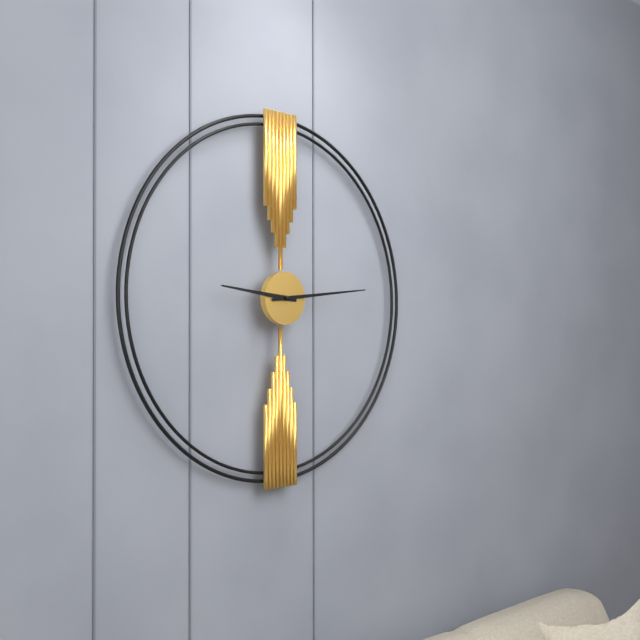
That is h=9 m=14
